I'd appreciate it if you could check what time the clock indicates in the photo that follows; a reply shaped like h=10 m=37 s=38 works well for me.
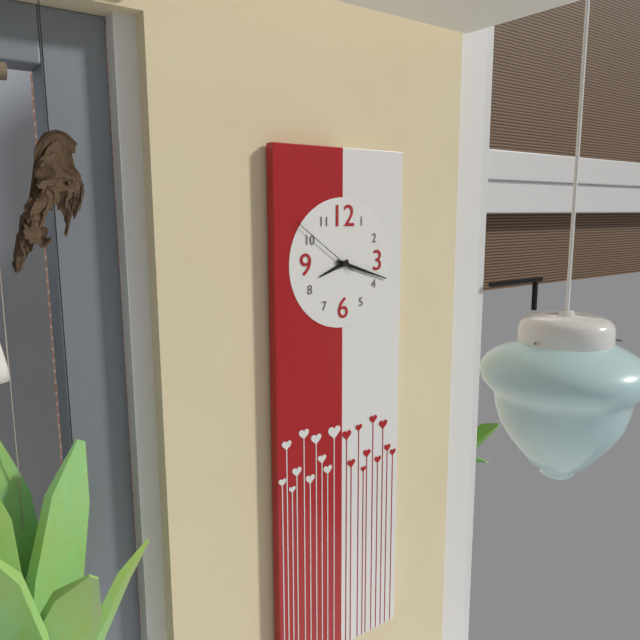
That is h=8 m=18 s=51
